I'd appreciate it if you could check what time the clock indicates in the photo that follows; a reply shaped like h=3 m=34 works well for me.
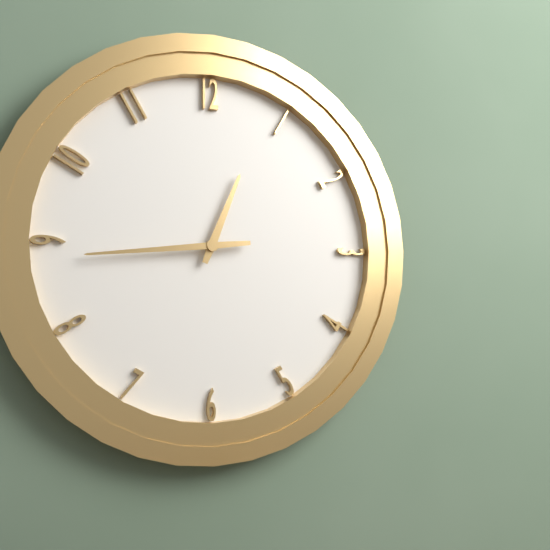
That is h=12 m=44
